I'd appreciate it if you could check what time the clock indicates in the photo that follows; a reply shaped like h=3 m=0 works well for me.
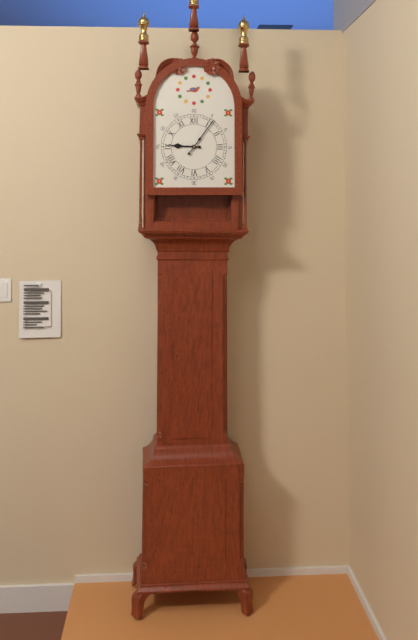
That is h=9 m=6
